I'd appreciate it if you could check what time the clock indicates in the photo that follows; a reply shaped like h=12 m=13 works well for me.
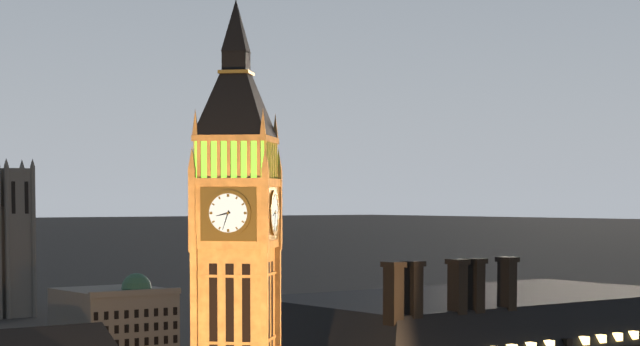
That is h=8 m=33
